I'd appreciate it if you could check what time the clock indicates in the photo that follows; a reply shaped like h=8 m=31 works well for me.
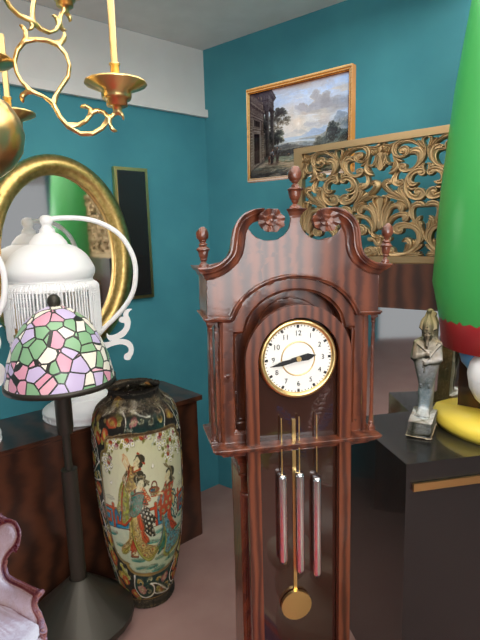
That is h=2 m=43
